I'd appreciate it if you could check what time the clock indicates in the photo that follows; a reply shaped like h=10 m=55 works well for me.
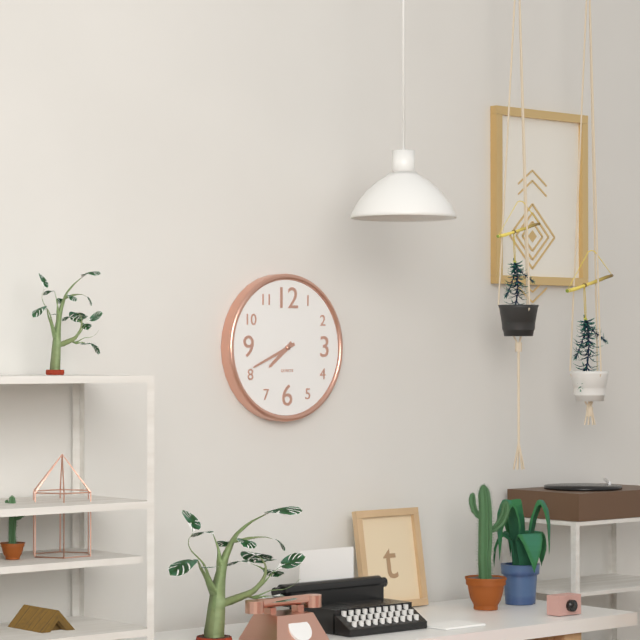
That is h=7 m=41
